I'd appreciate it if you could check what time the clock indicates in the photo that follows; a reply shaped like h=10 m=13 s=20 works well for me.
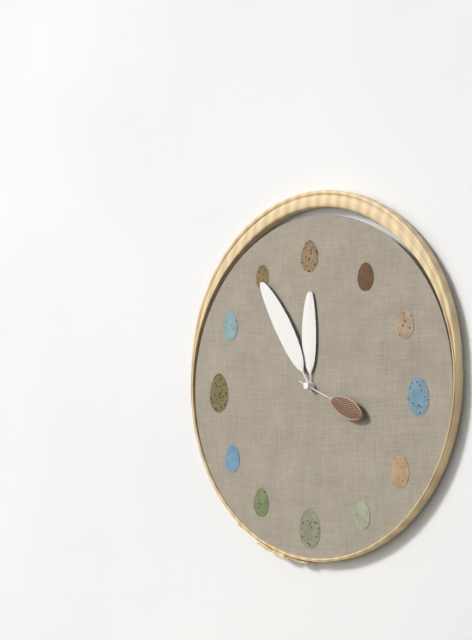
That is h=11 m=55 s=19
